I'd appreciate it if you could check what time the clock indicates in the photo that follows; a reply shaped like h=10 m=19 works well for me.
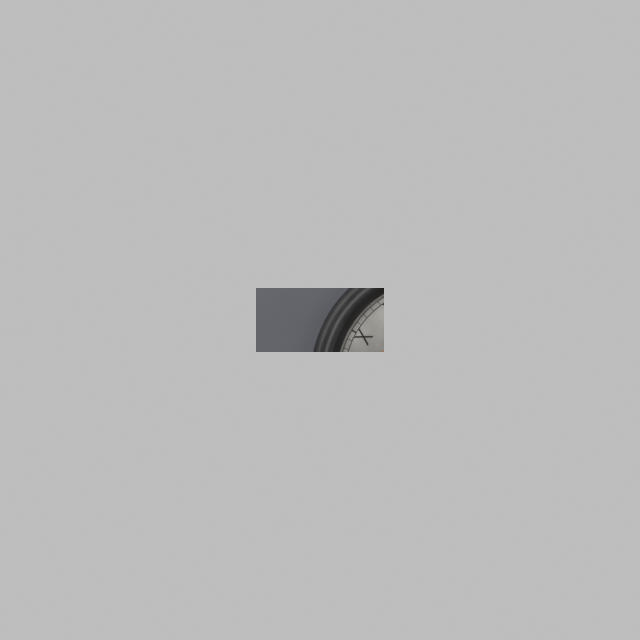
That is h=9 m=4
